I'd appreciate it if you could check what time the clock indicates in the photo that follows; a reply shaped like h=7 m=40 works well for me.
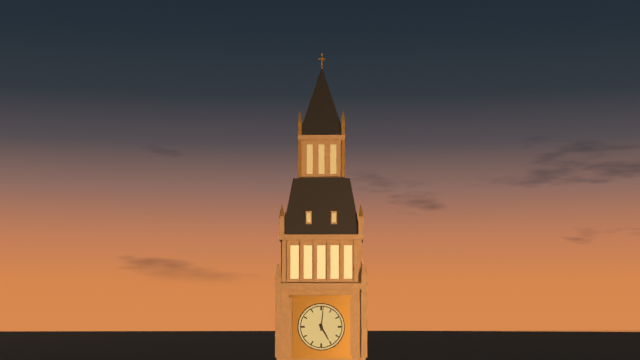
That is h=5 m=1
